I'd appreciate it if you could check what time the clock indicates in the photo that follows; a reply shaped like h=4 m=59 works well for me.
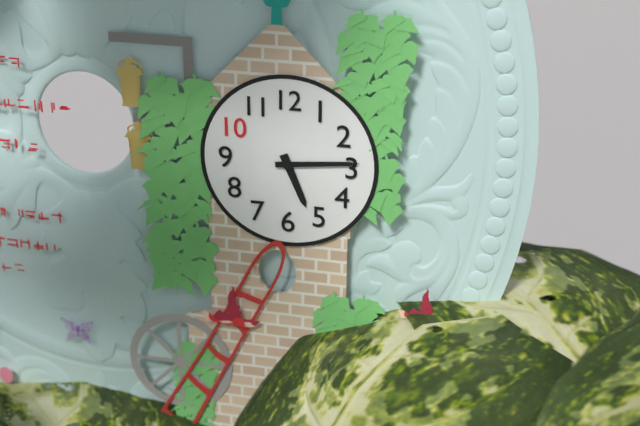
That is h=5 m=14
